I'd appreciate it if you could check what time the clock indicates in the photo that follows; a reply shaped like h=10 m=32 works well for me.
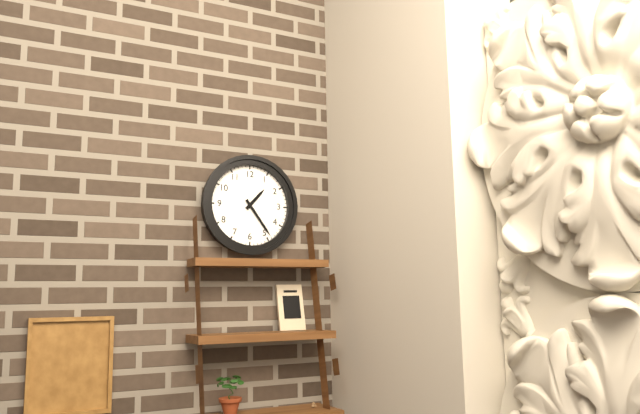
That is h=1 m=24
